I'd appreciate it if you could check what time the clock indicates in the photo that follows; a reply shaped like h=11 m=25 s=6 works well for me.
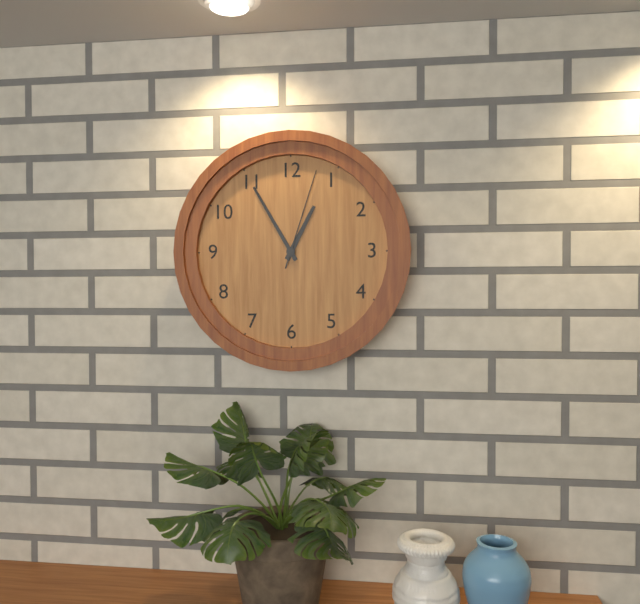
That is h=12 m=55 s=3
